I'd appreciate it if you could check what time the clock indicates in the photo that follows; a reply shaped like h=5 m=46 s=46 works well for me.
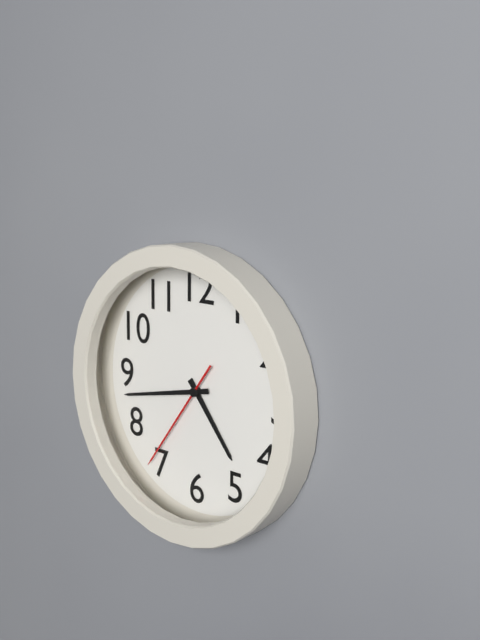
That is h=4 m=43 s=36
